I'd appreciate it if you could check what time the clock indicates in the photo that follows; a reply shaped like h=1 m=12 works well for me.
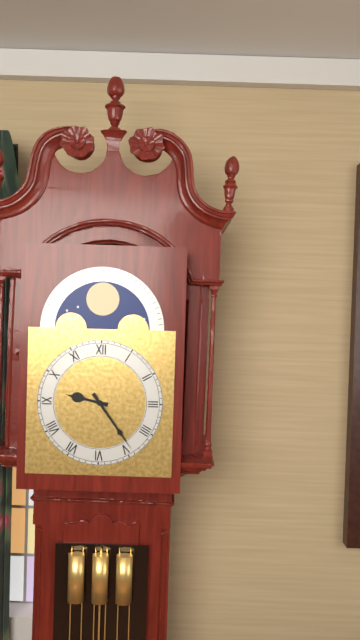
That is h=9 m=24
